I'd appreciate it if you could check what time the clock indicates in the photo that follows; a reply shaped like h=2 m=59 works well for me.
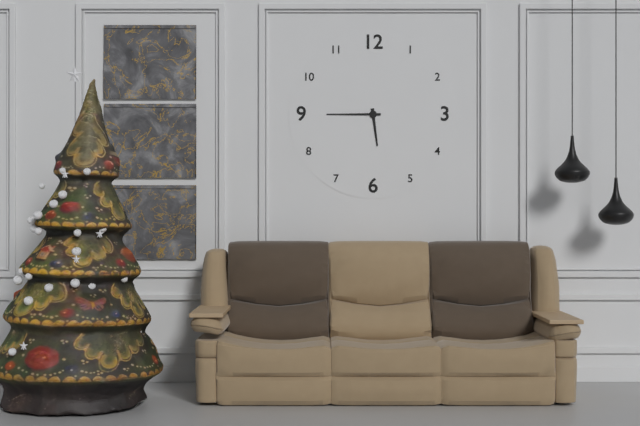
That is h=5 m=45
